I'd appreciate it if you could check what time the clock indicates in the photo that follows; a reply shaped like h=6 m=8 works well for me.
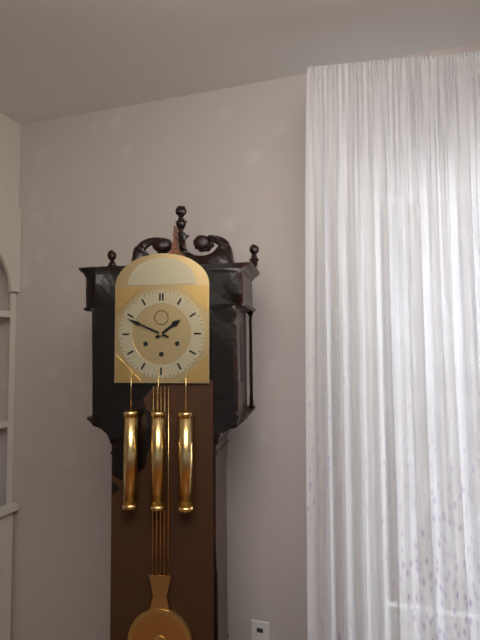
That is h=1 m=49
